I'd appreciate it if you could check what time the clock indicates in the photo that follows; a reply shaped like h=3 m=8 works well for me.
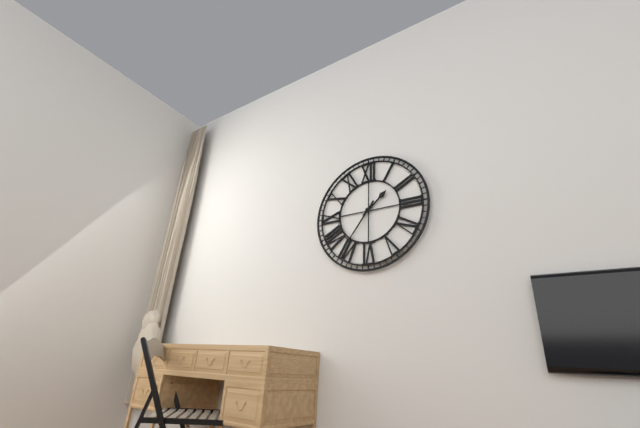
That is h=1 m=36
